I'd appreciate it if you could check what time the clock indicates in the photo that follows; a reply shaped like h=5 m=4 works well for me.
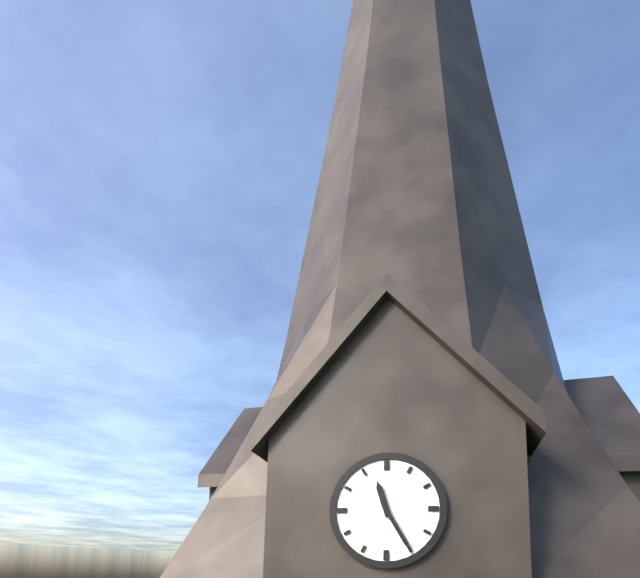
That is h=11 m=25
